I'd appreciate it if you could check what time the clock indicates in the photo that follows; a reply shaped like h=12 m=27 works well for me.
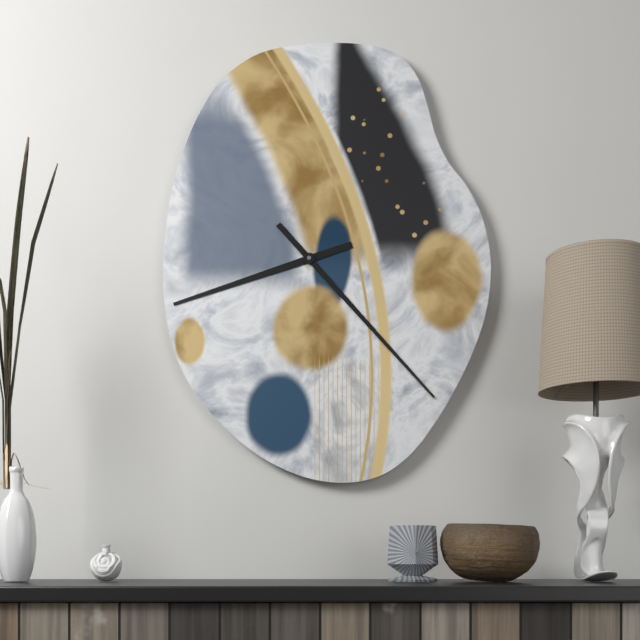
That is h=8 m=23
